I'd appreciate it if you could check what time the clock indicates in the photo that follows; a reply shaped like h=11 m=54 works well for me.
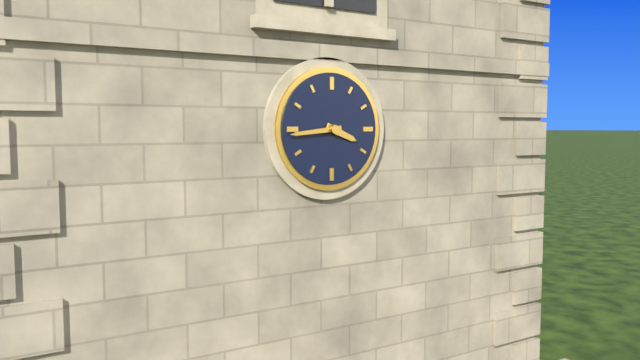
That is h=3 m=44
